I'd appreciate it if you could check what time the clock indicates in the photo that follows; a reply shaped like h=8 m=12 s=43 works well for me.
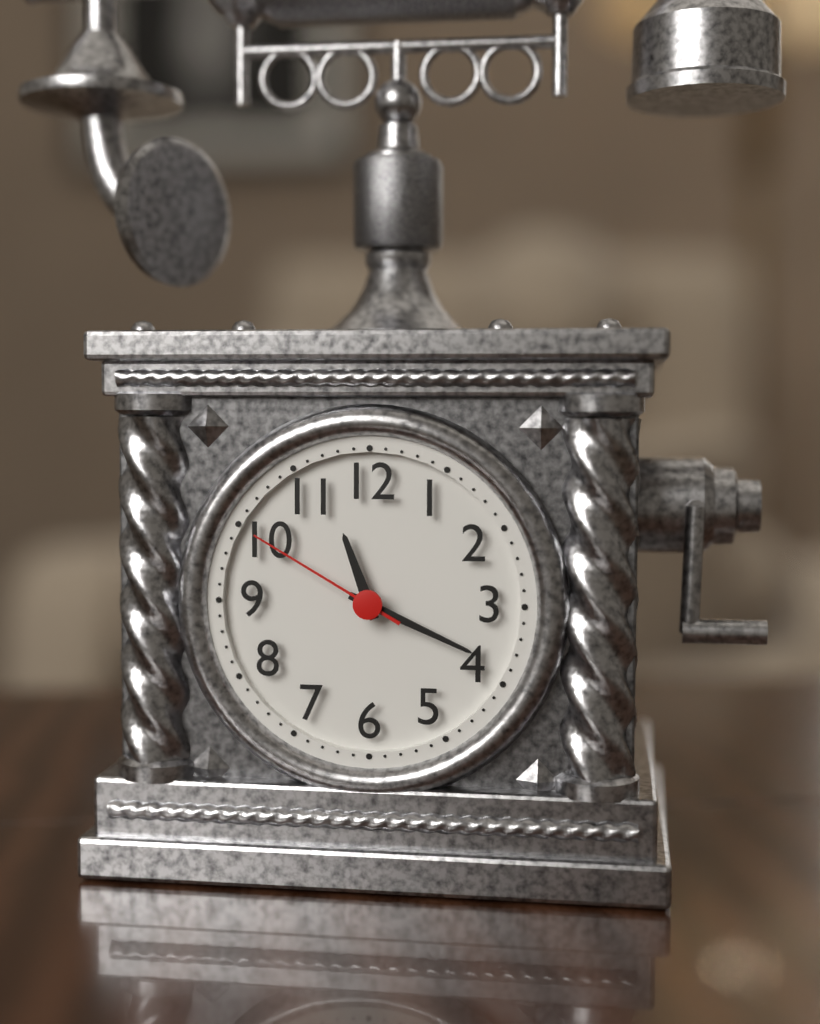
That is h=11 m=19 s=50
